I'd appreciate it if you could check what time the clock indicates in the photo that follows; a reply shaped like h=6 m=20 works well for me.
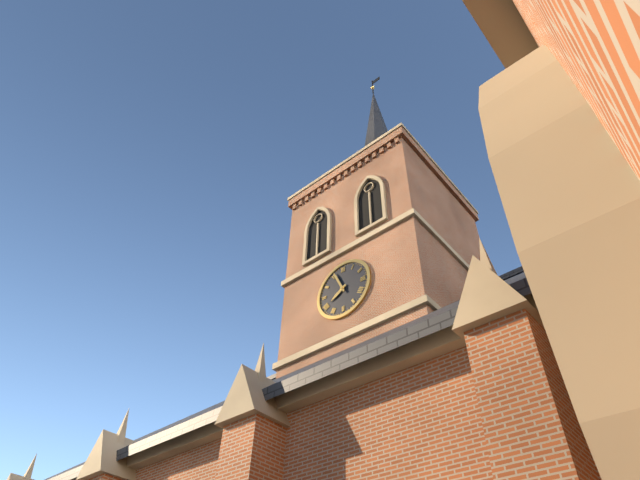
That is h=7 m=56
